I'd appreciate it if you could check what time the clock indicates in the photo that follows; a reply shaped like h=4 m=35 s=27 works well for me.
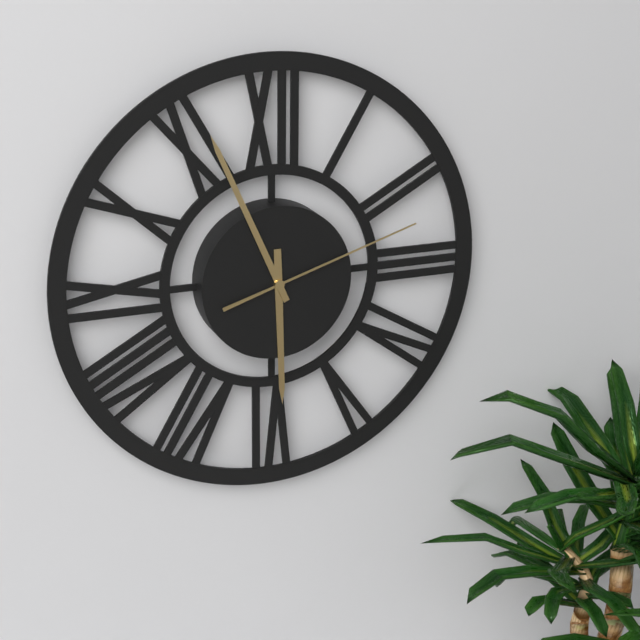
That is h=5 m=56 s=12
